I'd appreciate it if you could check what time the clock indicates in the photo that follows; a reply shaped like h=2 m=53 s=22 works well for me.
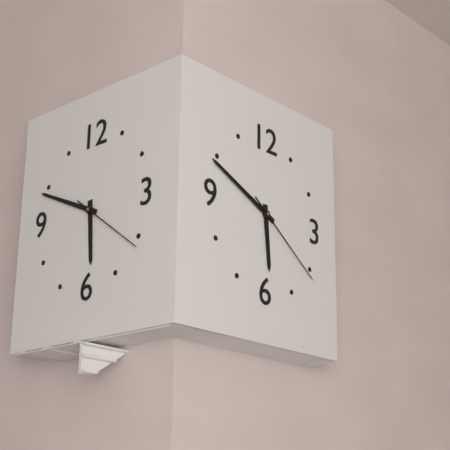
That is h=5 m=49 s=21
